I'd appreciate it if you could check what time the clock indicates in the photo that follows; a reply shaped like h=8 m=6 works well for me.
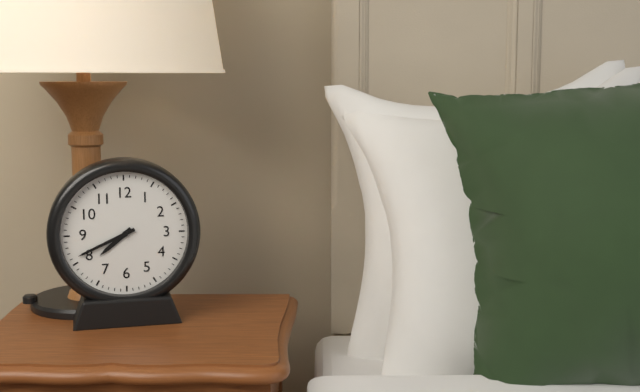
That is h=7 m=41
